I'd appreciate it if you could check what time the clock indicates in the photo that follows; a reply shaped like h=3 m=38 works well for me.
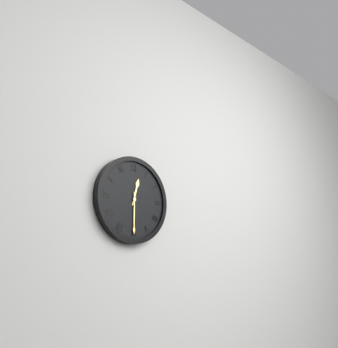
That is h=12 m=30
